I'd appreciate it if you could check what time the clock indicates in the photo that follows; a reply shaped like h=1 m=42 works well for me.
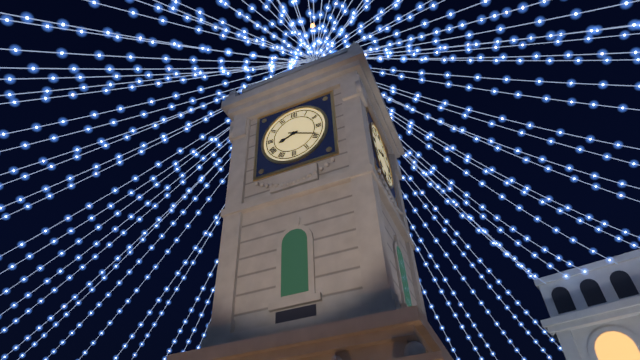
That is h=8 m=19
